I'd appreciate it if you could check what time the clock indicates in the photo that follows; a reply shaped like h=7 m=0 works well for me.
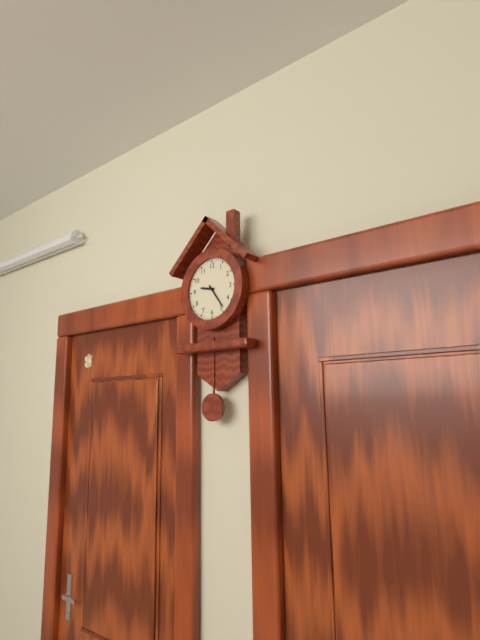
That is h=9 m=24
